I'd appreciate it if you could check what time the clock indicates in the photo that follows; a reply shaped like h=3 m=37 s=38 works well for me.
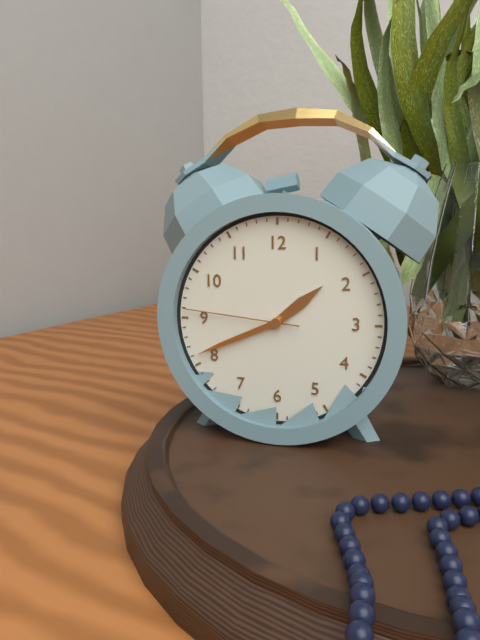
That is h=1 m=41 s=46
